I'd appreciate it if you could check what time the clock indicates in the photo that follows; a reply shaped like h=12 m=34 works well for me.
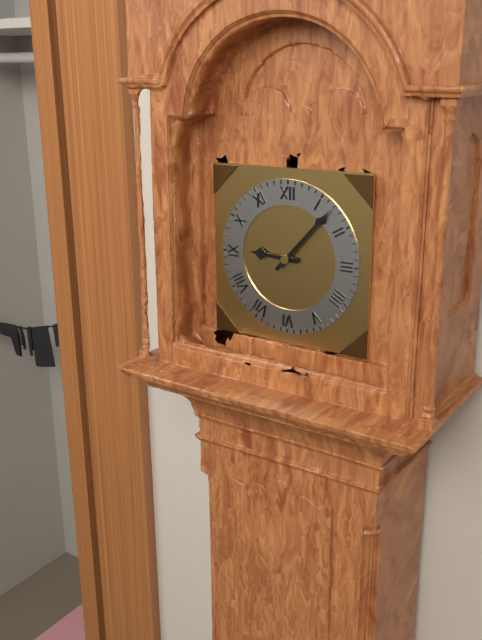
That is h=9 m=7
